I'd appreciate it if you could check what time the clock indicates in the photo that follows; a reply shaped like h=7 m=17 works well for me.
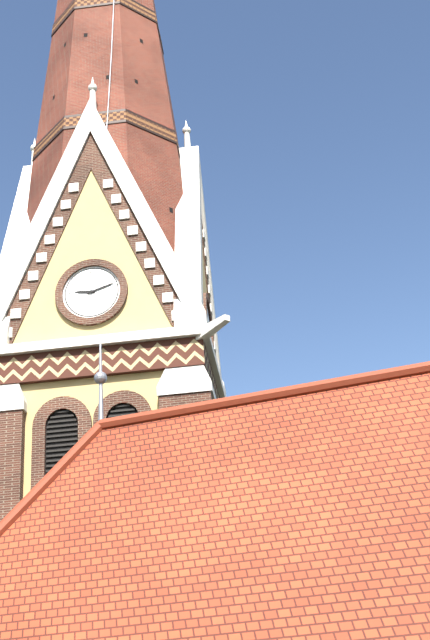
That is h=9 m=12
